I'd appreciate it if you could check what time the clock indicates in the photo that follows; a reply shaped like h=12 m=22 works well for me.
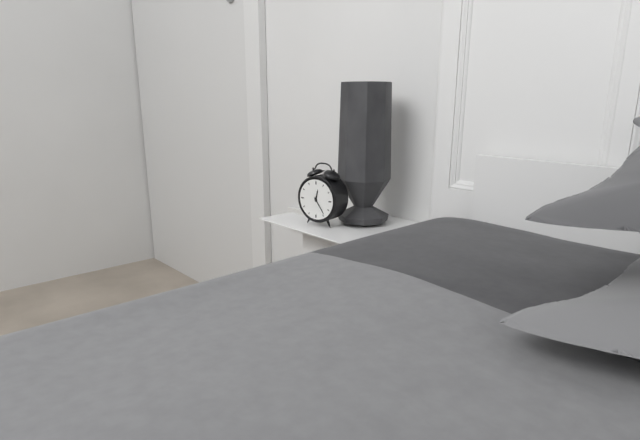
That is h=12 m=24
